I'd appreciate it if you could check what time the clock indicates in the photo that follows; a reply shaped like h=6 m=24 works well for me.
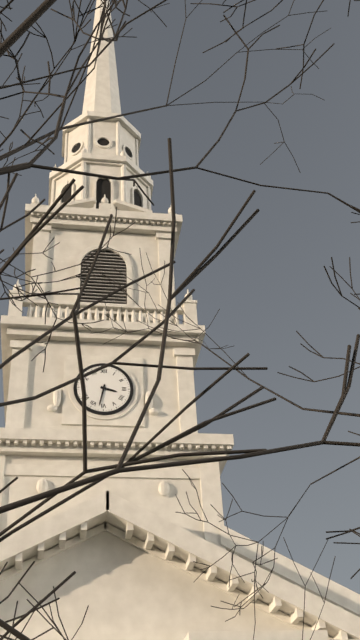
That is h=3 m=32
